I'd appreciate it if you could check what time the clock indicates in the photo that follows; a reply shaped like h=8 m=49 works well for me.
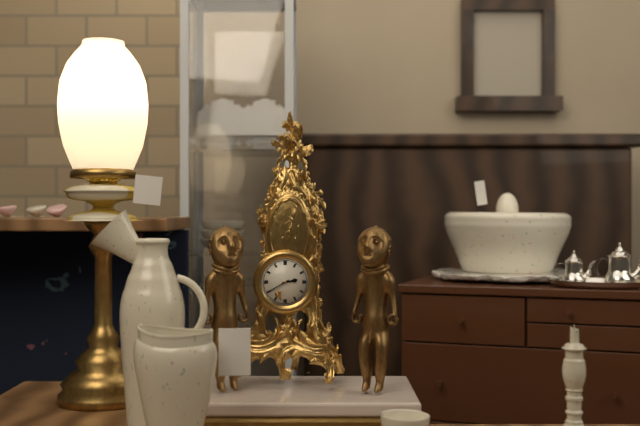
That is h=2 m=40
